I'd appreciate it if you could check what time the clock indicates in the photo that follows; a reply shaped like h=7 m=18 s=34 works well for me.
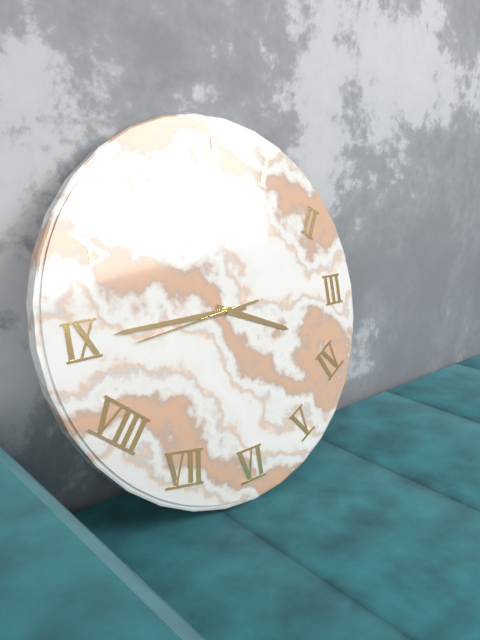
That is h=3 m=45 s=44
